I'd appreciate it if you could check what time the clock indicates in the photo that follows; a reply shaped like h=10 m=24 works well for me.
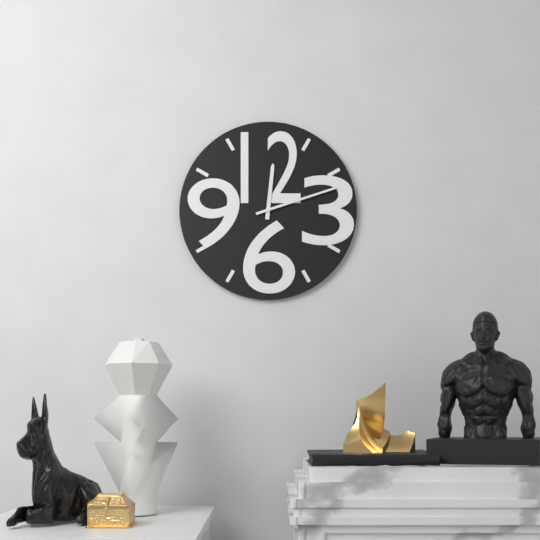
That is h=12 m=12
